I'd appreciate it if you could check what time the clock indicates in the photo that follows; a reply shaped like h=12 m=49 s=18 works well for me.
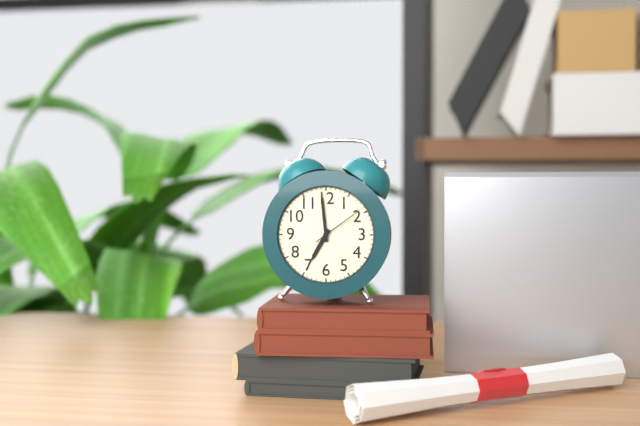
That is h=6 m=59 s=9
